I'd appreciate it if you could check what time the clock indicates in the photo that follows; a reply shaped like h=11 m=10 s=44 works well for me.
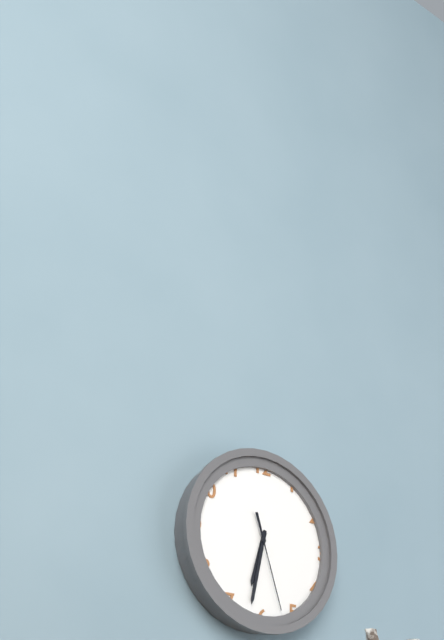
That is h=6 m=32 s=27
